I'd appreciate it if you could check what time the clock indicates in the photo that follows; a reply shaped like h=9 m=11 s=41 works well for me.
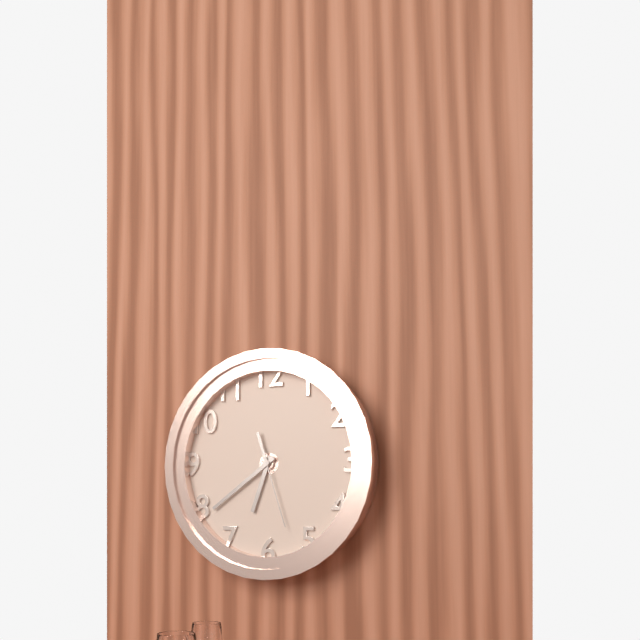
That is h=6 m=39 s=27
